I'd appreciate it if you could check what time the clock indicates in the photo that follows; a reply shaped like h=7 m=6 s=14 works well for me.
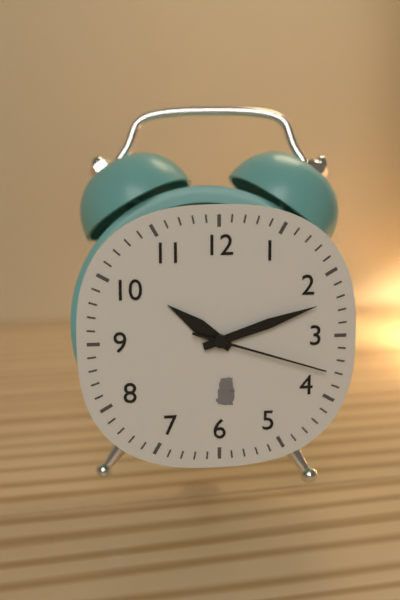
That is h=10 m=12 s=18
